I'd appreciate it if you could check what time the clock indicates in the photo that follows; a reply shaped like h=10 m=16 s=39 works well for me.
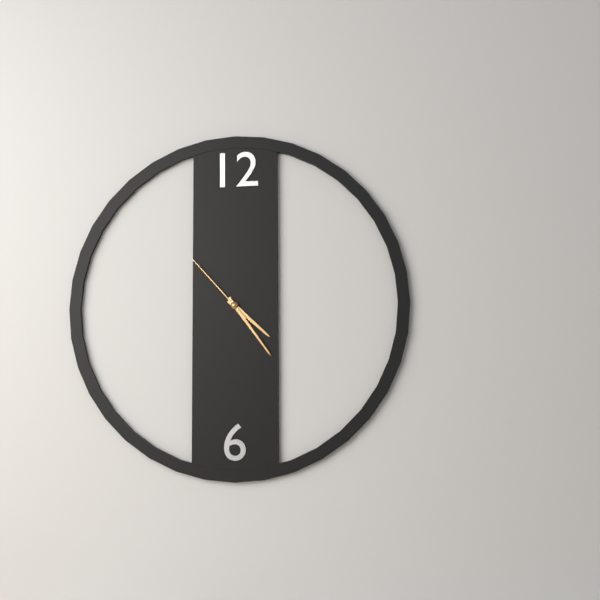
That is h=4 m=24 s=53
